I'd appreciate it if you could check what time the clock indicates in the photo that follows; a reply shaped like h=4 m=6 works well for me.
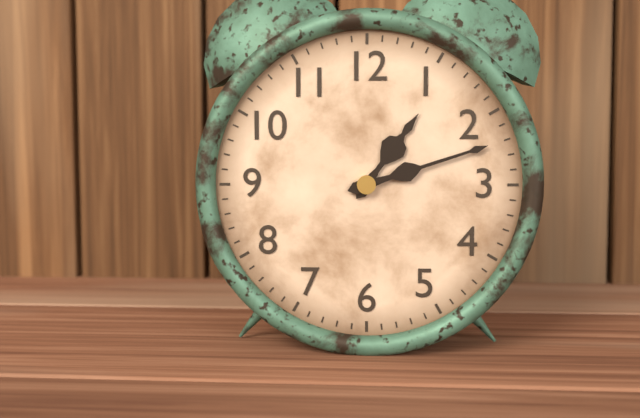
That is h=1 m=12
